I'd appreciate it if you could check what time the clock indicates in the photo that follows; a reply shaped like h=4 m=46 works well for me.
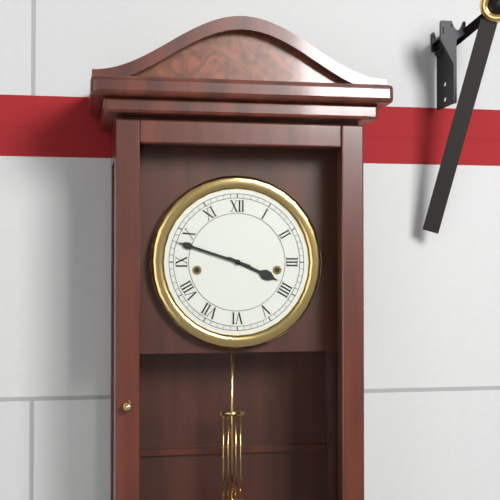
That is h=3 m=48
